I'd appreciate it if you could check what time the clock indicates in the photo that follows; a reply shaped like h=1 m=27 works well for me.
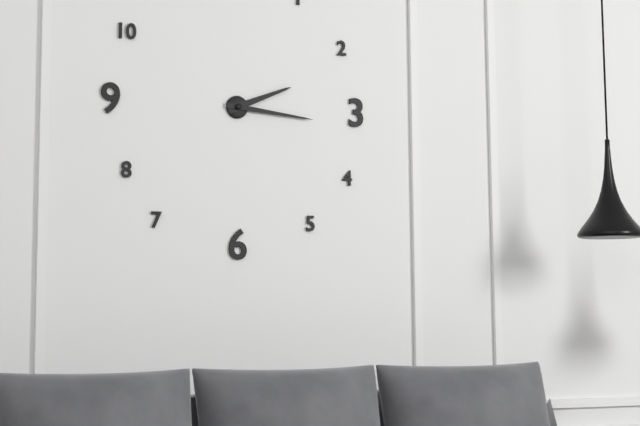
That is h=2 m=16
